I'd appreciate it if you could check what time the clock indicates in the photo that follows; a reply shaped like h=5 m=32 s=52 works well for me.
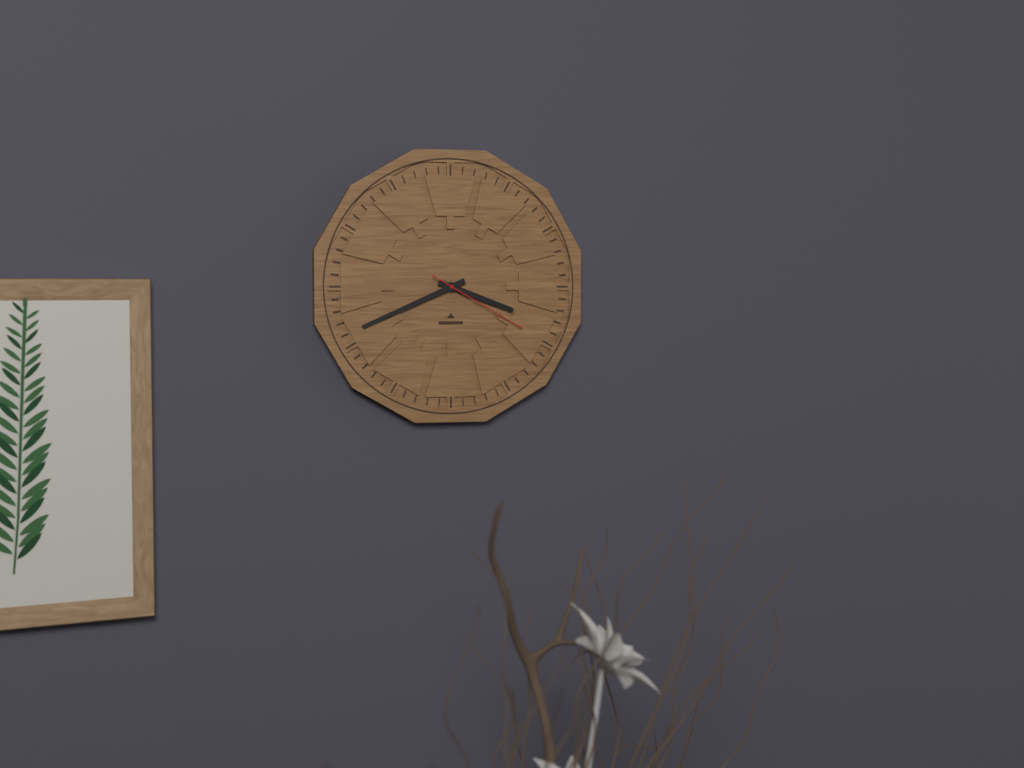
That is h=3 m=41 s=20
